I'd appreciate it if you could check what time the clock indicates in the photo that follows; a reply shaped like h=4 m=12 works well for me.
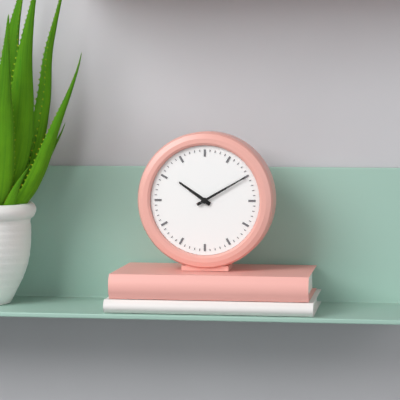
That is h=10 m=10
